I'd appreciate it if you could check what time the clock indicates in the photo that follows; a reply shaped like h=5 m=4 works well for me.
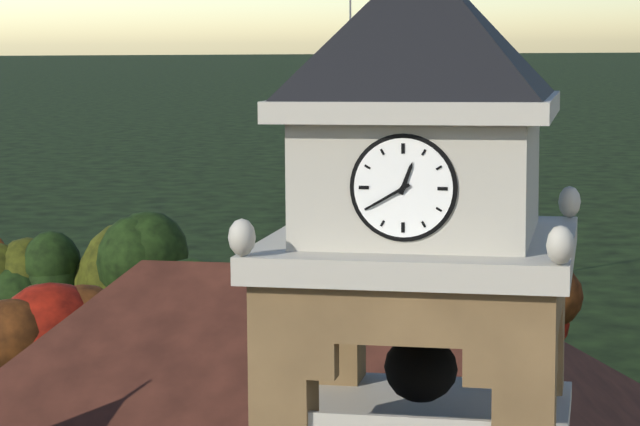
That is h=12 m=40
